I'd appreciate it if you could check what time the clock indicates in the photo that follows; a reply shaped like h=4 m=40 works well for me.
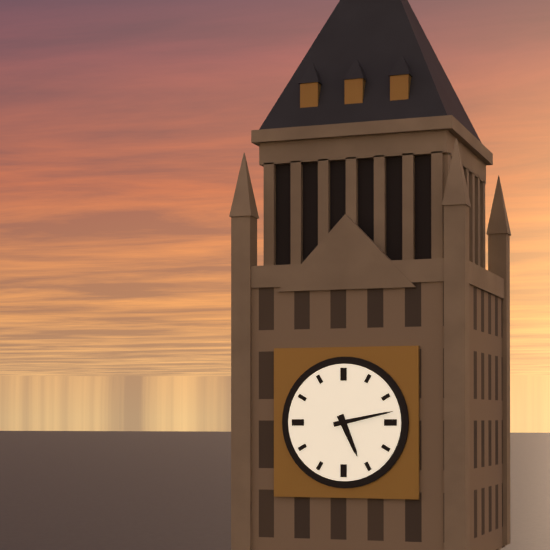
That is h=5 m=13
